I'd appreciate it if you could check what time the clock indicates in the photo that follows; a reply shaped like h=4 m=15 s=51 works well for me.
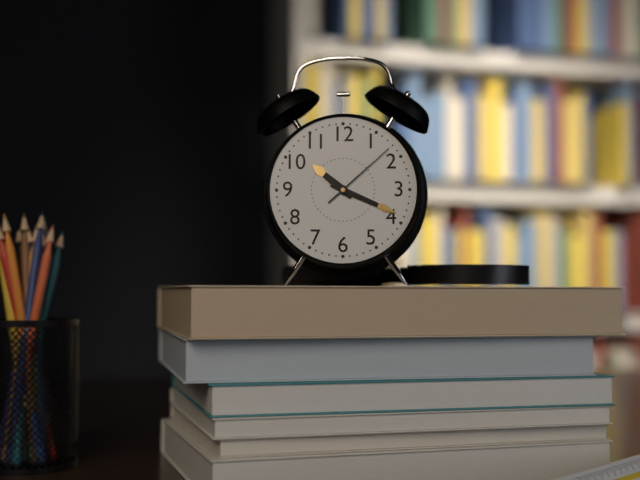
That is h=10 m=19 s=8
